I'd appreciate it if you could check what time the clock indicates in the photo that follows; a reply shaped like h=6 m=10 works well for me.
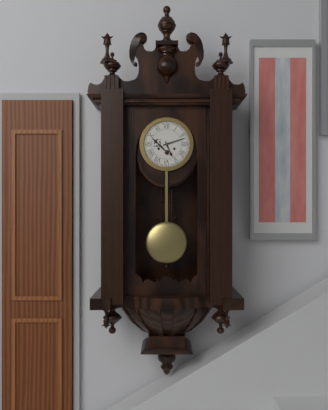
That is h=5 m=12
